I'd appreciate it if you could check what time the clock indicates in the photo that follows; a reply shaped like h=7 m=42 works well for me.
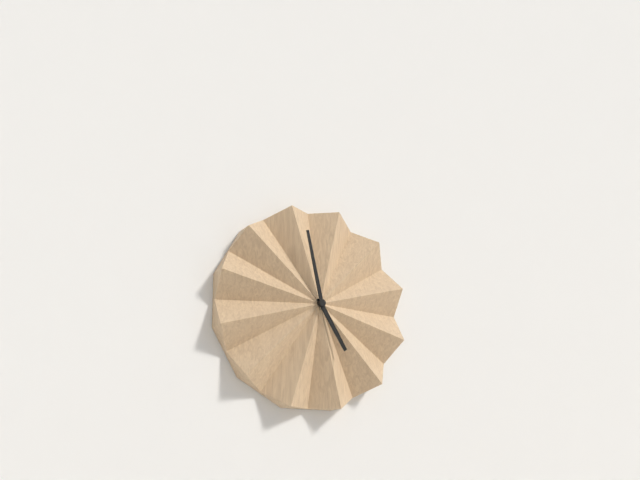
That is h=4 m=58
